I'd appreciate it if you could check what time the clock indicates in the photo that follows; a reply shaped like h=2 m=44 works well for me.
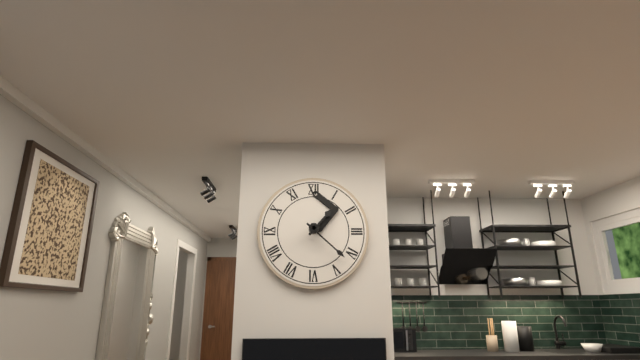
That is h=1 m=22
